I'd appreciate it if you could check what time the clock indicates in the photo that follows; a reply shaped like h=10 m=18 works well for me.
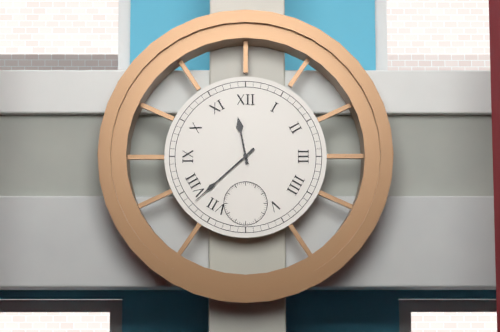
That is h=11 m=38
